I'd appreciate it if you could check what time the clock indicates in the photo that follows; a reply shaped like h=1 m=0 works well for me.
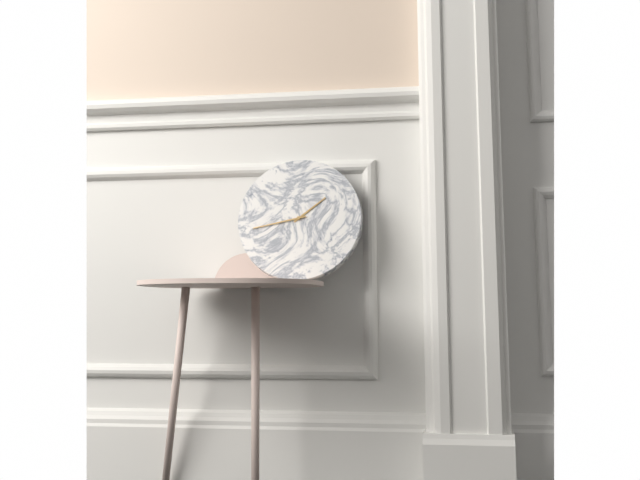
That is h=1 m=43
